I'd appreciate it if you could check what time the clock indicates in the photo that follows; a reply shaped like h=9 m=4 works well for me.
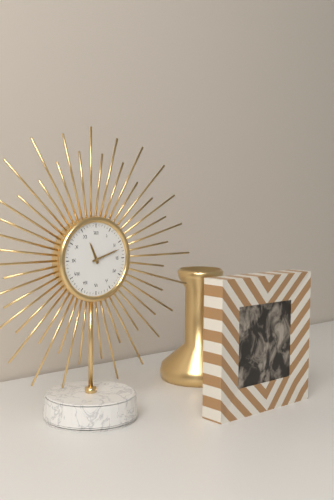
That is h=11 m=12
